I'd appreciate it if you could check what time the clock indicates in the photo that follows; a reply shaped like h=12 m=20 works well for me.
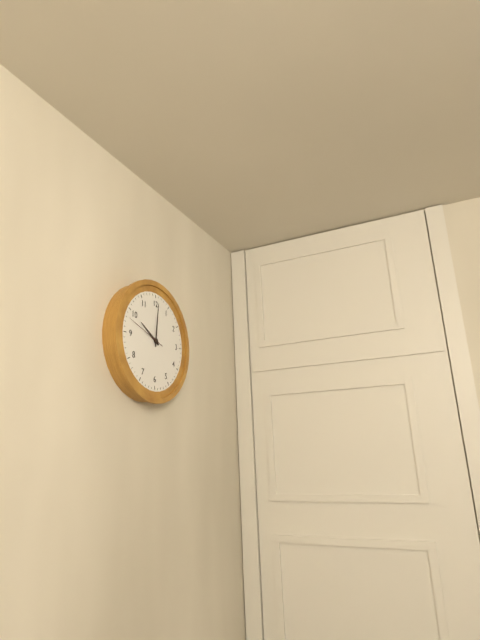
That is h=10 m=1
